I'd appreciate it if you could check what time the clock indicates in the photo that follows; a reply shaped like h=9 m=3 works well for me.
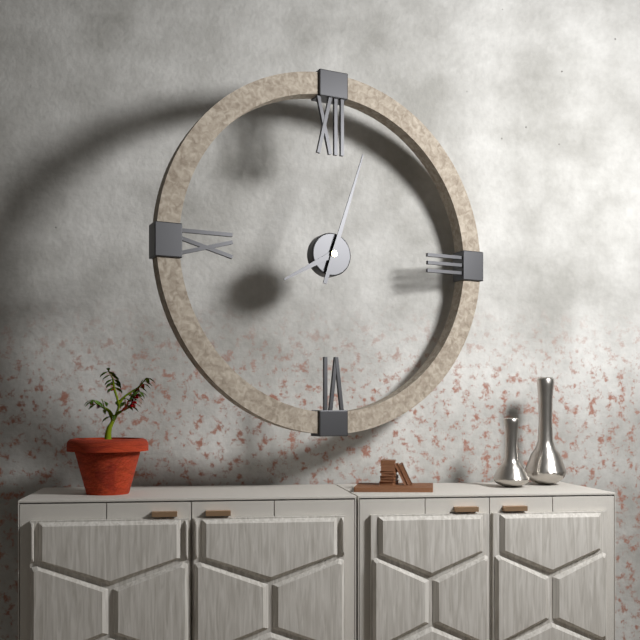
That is h=8 m=3
